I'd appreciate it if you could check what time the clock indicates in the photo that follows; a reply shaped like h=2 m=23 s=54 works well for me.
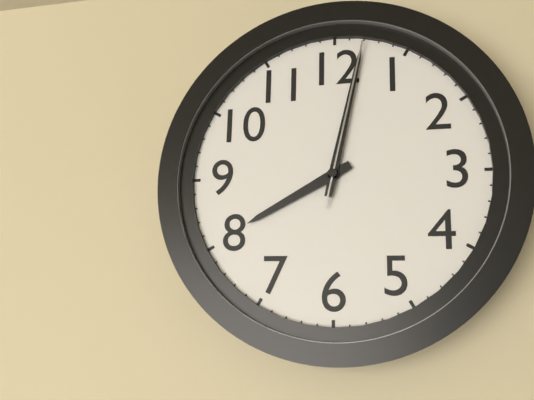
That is h=8 m=2 s=2
